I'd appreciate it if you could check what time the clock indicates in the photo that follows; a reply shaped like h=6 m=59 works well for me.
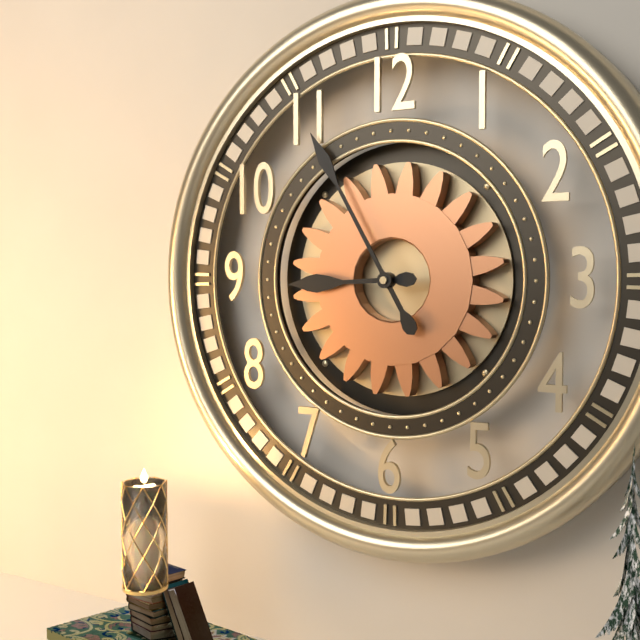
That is h=8 m=55
